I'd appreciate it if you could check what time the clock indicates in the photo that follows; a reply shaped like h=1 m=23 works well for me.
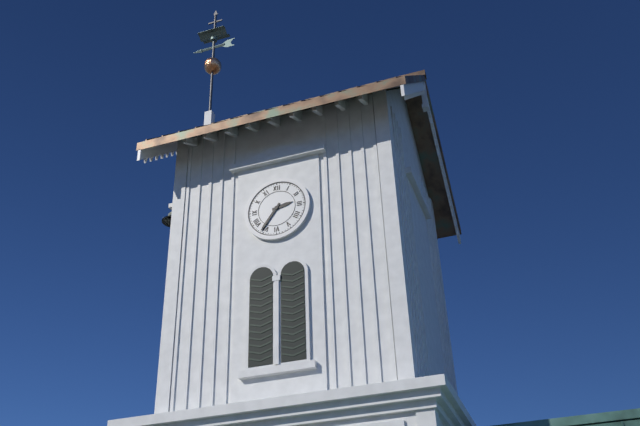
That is h=2 m=36
